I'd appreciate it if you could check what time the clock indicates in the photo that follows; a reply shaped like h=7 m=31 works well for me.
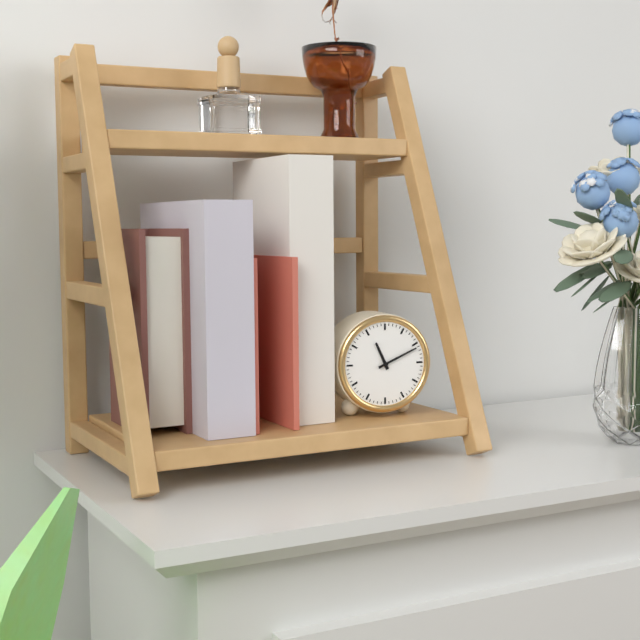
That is h=11 m=11
